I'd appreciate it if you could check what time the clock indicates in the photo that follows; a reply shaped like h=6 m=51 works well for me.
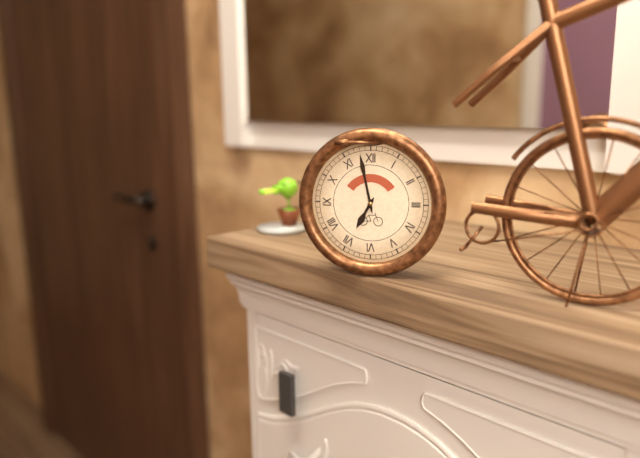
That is h=6 m=58
